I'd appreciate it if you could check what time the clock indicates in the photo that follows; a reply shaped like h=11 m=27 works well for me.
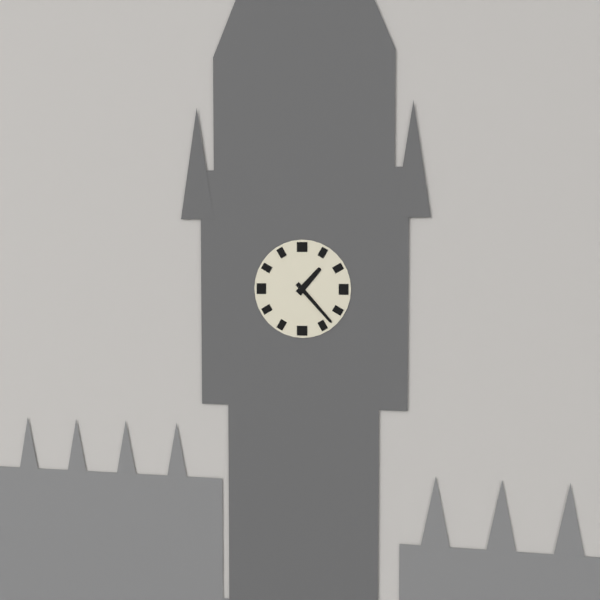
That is h=1 m=23
